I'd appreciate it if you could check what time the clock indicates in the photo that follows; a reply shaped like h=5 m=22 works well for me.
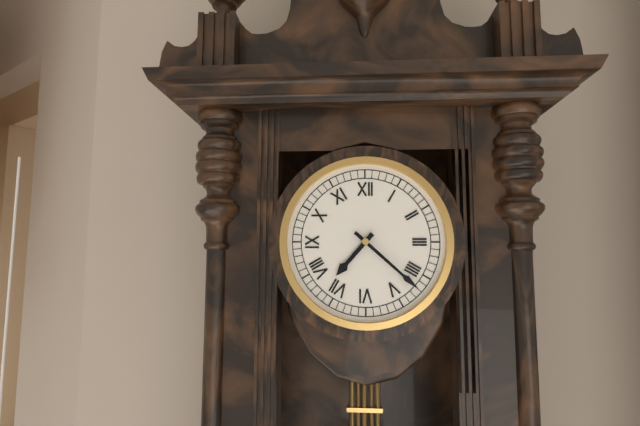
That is h=7 m=22
